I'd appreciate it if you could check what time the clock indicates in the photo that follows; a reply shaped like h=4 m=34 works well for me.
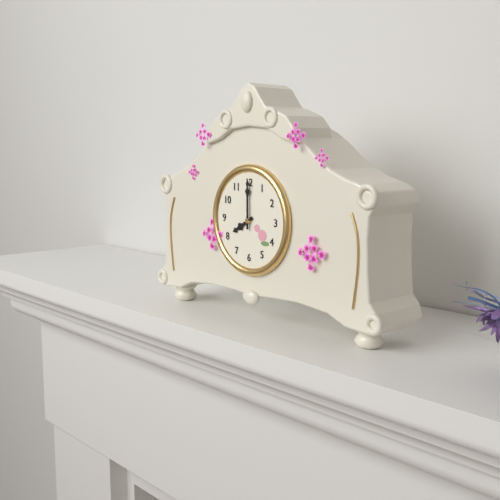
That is h=8 m=0
